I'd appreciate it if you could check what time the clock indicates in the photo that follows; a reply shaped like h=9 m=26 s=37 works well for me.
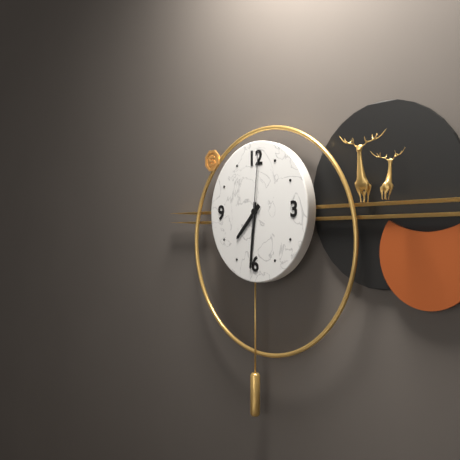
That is h=7 m=31 s=1
